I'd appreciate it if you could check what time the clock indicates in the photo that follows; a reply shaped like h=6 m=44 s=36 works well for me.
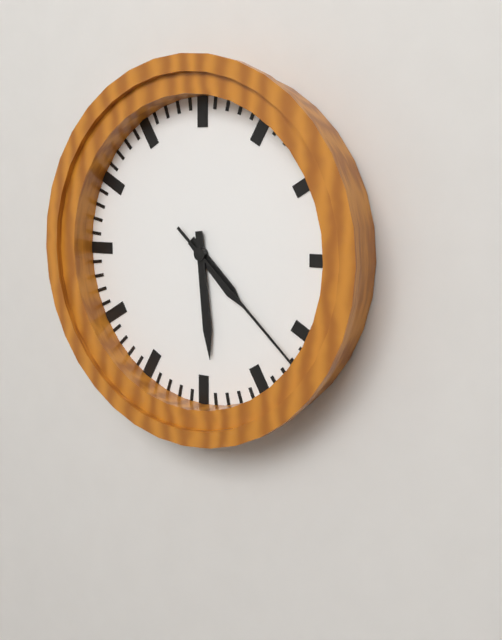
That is h=4 m=29 s=22
